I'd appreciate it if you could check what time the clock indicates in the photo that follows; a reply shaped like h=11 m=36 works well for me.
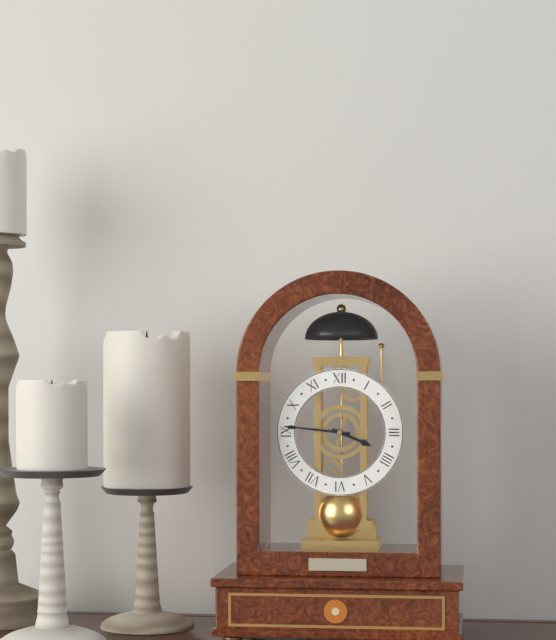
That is h=3 m=46
